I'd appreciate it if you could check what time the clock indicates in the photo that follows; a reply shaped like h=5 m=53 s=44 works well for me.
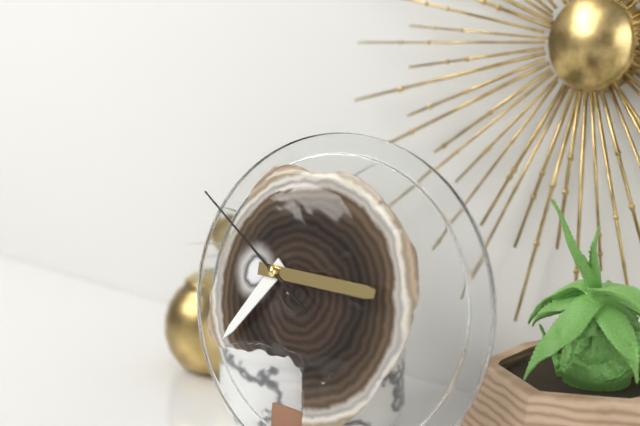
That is h=7 m=15 s=50
